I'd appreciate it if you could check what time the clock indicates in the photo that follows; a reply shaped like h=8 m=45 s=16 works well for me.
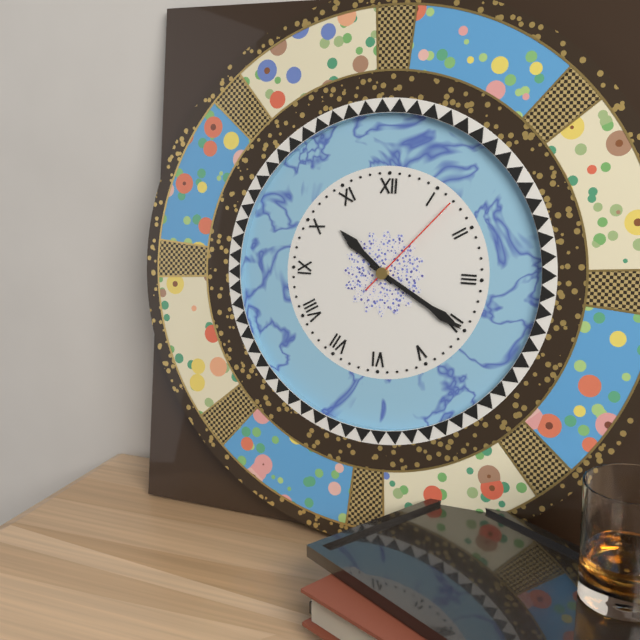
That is h=10 m=20 s=7
